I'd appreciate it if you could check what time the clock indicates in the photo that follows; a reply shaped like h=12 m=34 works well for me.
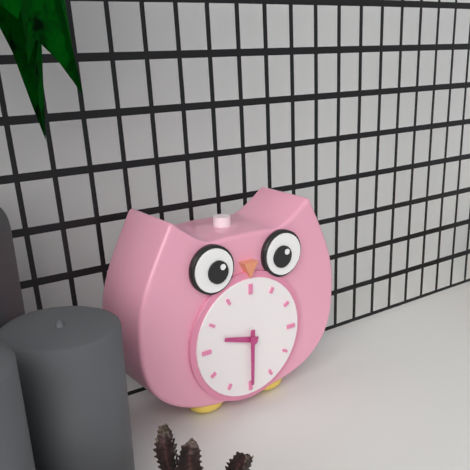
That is h=9 m=30
